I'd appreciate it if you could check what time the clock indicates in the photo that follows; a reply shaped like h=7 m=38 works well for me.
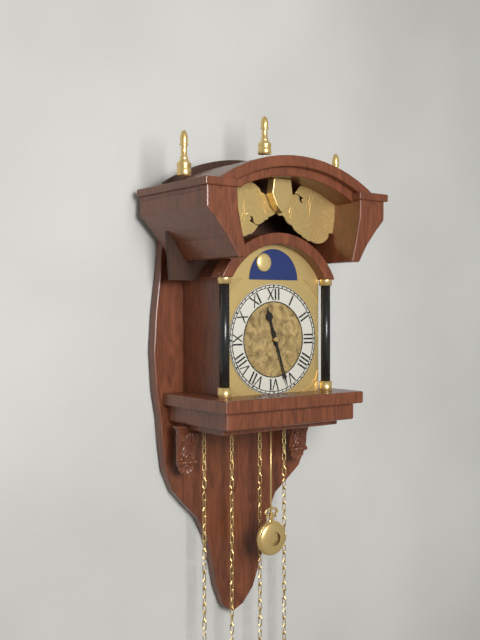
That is h=11 m=27
